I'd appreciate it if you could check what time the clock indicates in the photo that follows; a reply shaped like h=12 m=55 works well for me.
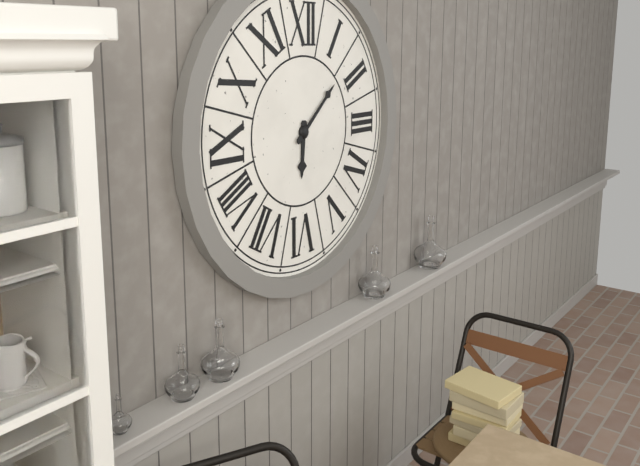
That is h=6 m=8
